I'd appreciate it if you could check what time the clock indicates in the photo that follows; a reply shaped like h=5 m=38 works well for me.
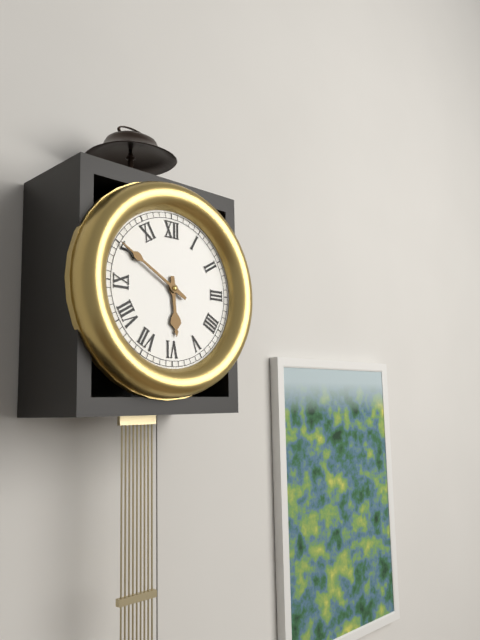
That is h=5 m=50
